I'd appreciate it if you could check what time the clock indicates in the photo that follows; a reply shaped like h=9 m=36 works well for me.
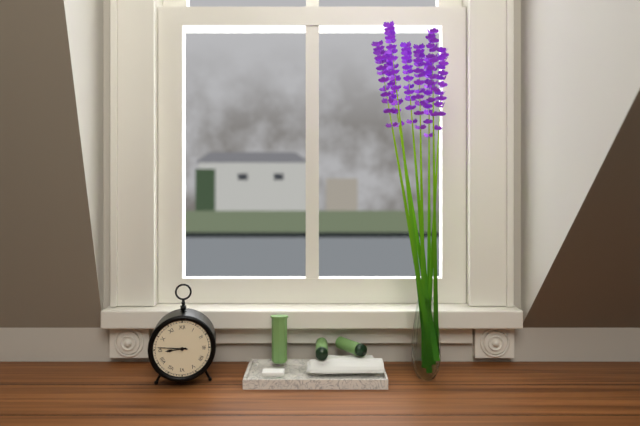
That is h=8 m=46
